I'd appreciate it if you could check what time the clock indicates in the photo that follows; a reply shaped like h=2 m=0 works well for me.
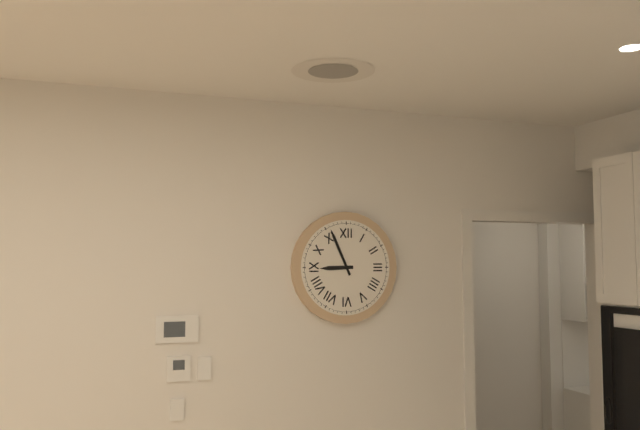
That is h=8 m=56
